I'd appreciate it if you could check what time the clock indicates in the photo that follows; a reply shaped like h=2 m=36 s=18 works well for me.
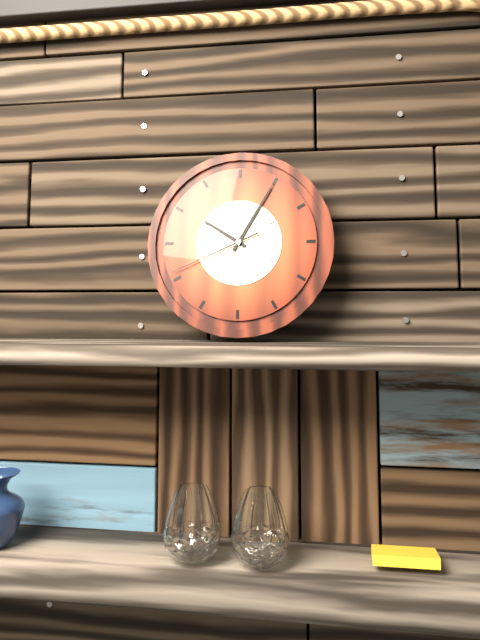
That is h=10 m=5 s=41
